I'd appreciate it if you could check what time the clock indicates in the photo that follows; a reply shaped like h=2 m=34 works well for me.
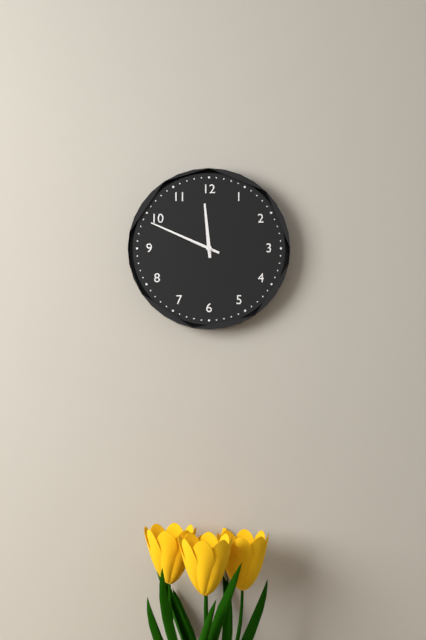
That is h=11 m=49
